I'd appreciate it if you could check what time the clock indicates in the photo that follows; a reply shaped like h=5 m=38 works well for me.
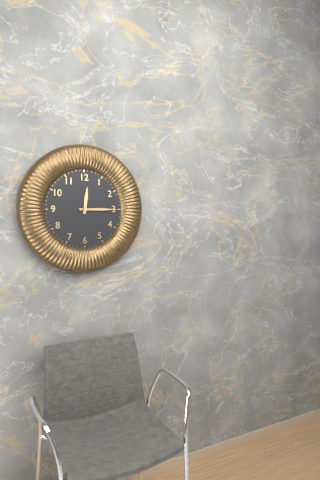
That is h=12 m=15
